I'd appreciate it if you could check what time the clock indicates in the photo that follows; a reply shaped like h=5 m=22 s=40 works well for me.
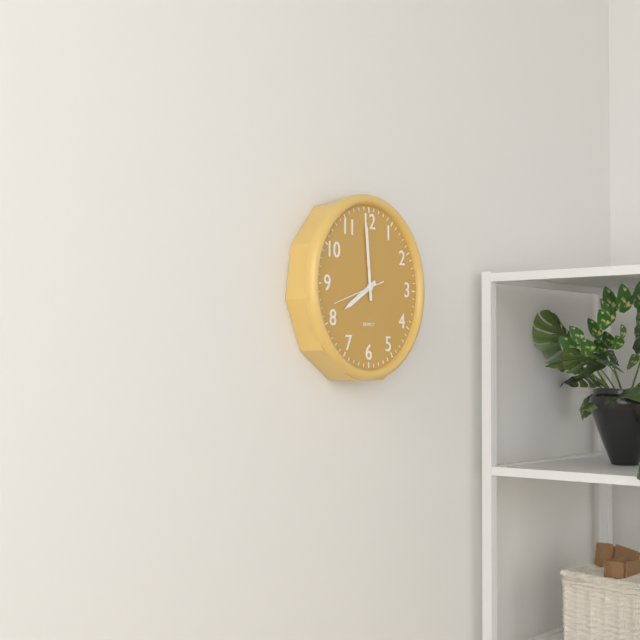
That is h=7 m=59 s=42
